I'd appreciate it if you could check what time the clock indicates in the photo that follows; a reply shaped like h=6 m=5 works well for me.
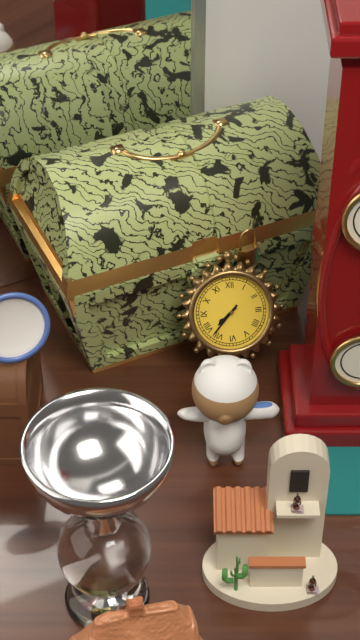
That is h=7 m=37
